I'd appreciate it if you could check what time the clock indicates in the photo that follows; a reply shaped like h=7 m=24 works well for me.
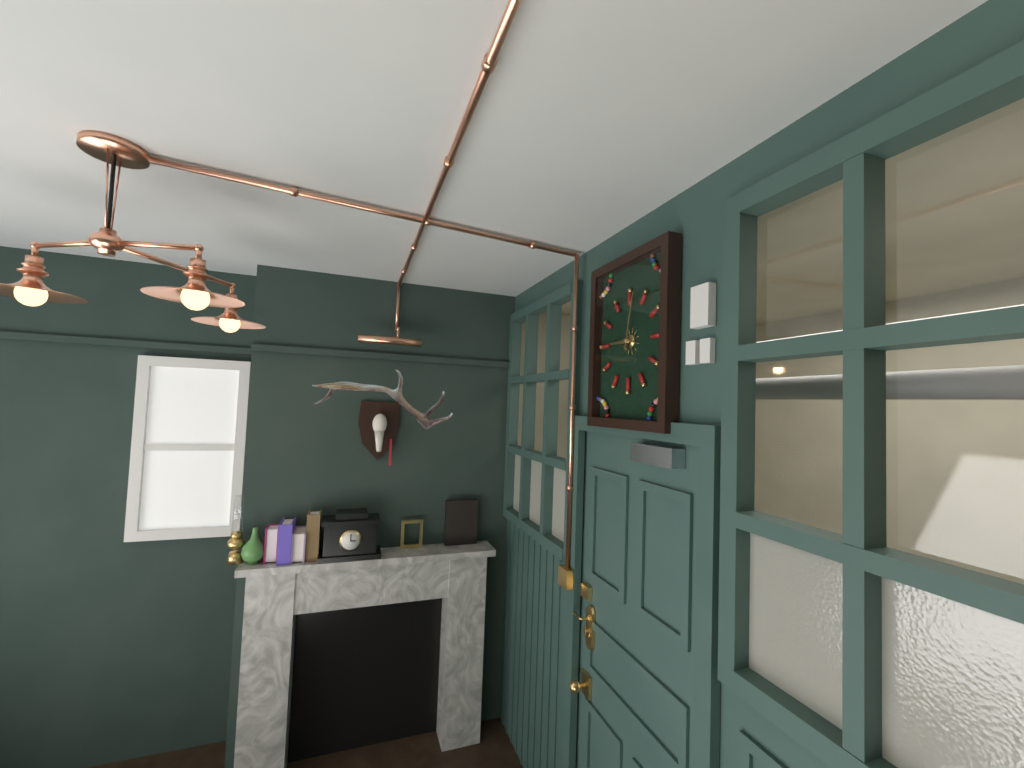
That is h=9 m=2
